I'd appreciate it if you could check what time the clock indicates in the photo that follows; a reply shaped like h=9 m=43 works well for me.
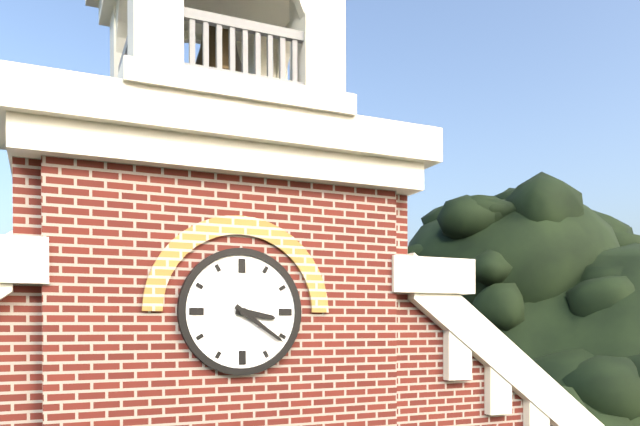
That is h=3 m=21
